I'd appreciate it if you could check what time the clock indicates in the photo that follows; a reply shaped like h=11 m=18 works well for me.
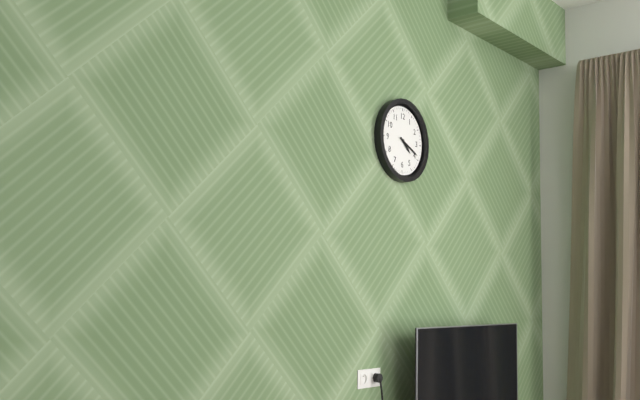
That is h=4 m=19
